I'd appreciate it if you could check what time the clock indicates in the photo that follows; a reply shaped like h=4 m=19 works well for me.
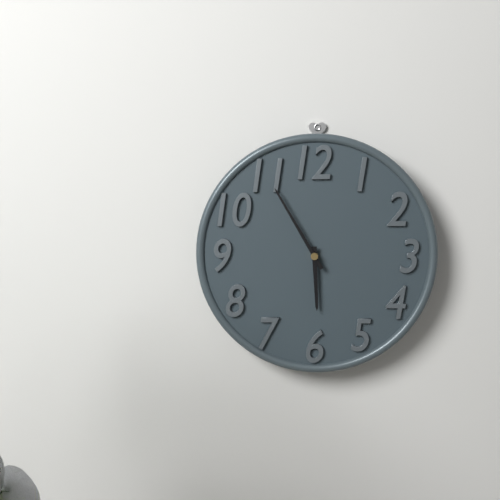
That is h=5 m=55
